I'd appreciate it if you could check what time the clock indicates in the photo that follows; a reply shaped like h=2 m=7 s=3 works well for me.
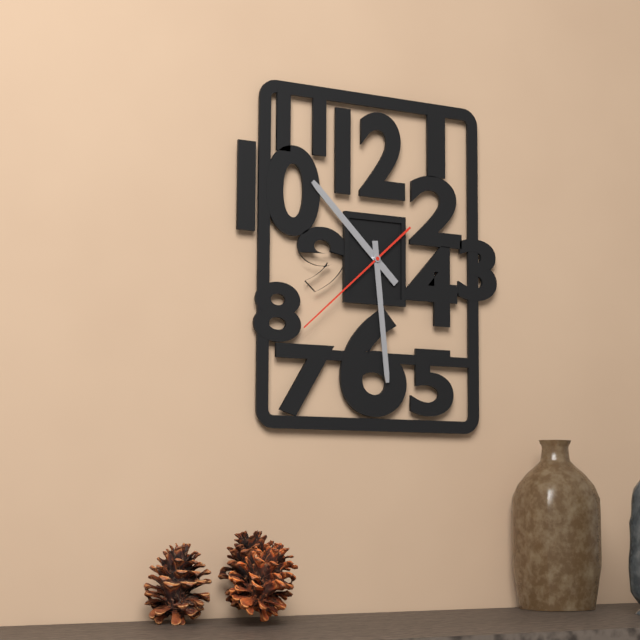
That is h=10 m=29 s=38
